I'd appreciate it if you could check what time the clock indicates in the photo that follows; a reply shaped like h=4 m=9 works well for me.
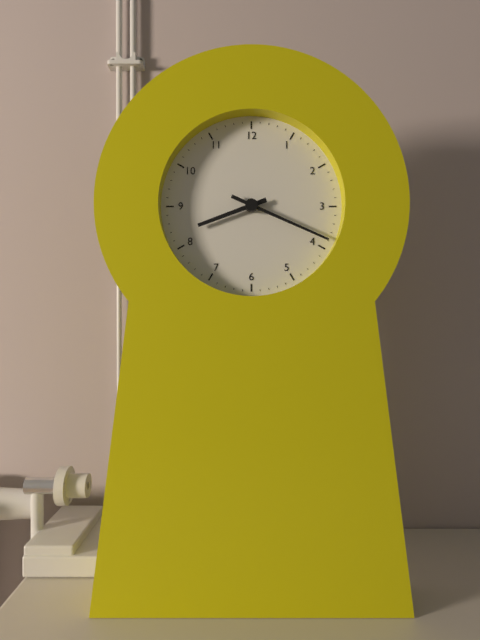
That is h=8 m=19
